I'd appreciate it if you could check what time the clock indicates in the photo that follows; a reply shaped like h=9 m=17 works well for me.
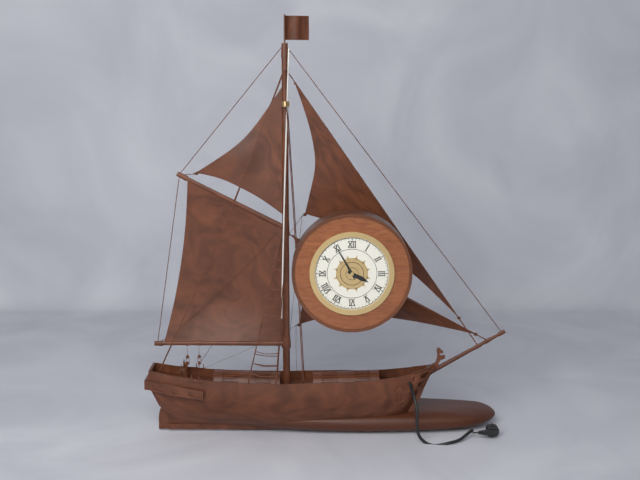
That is h=3 m=55
